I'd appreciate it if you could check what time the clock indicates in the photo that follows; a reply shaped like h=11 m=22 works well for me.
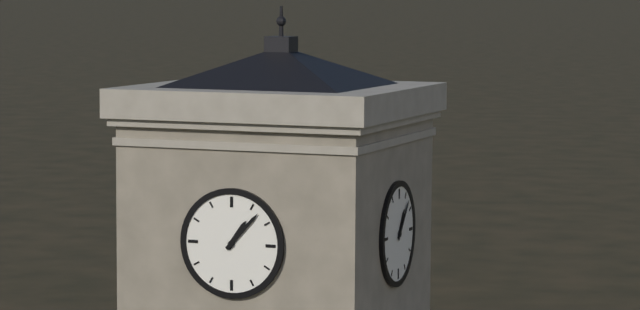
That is h=1 m=7
